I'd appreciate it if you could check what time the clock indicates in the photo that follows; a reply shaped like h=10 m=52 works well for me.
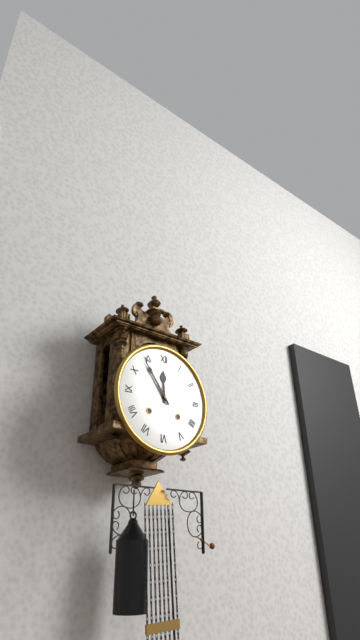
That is h=11 m=54
